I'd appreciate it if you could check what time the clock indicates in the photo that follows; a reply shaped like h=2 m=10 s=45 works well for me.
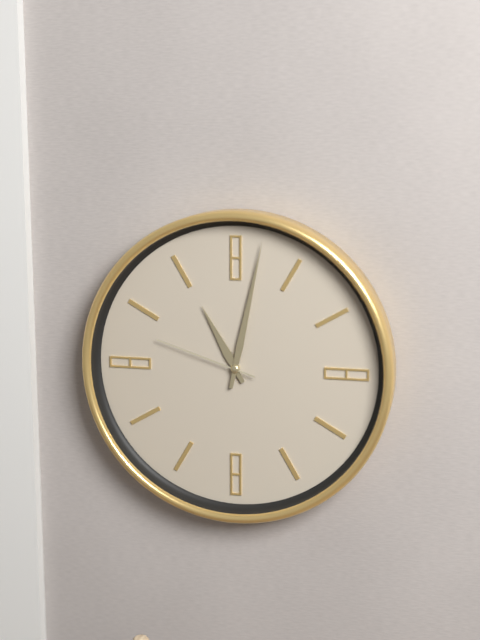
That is h=11 m=2 s=48
